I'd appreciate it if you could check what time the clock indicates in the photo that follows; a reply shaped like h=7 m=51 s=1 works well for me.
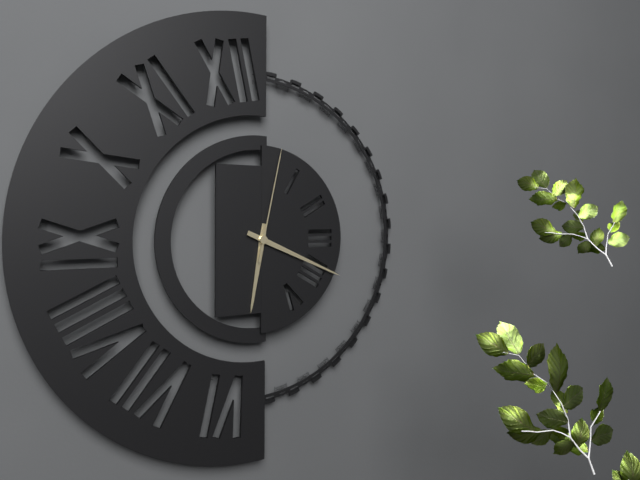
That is h=6 m=19 s=2
